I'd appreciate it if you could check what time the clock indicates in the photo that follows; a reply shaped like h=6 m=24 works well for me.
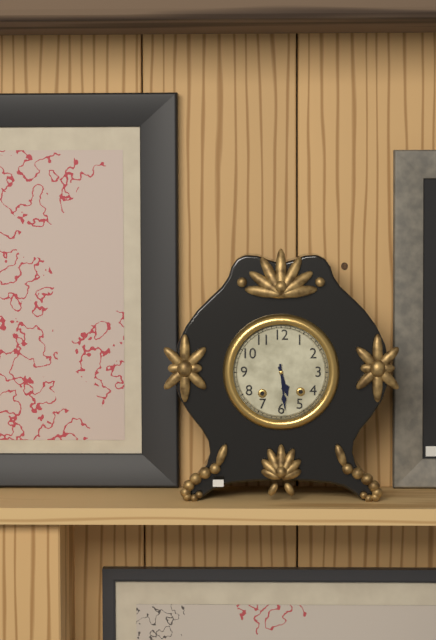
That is h=5 m=29
